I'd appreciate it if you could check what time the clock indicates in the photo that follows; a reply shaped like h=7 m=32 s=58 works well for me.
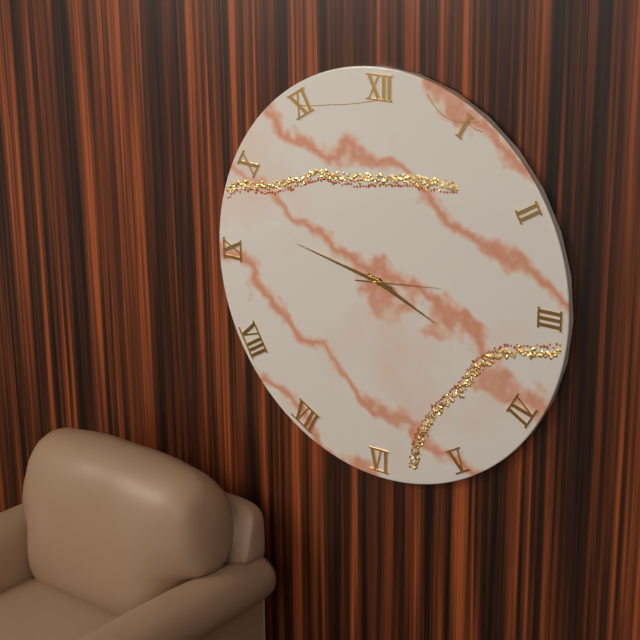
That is h=3 m=47 s=14
